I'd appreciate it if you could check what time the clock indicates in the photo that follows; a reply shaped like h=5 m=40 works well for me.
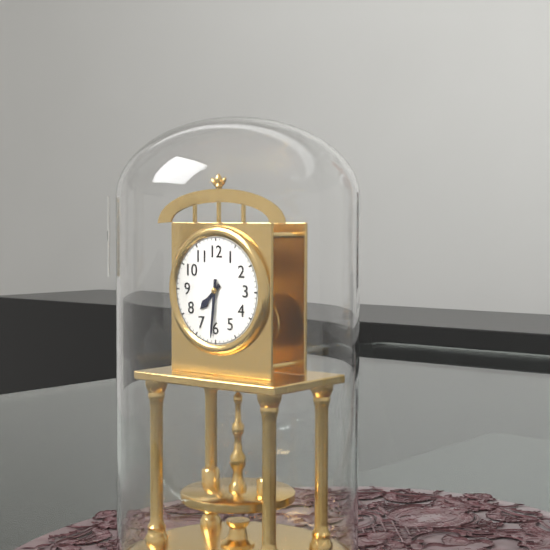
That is h=7 m=31
